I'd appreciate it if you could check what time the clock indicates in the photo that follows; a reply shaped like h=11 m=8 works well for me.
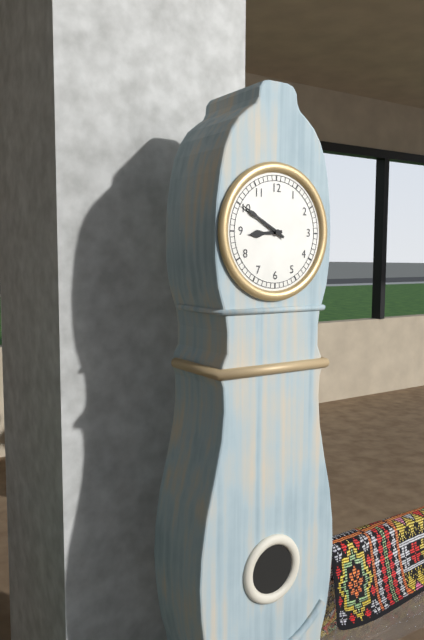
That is h=8 m=50
